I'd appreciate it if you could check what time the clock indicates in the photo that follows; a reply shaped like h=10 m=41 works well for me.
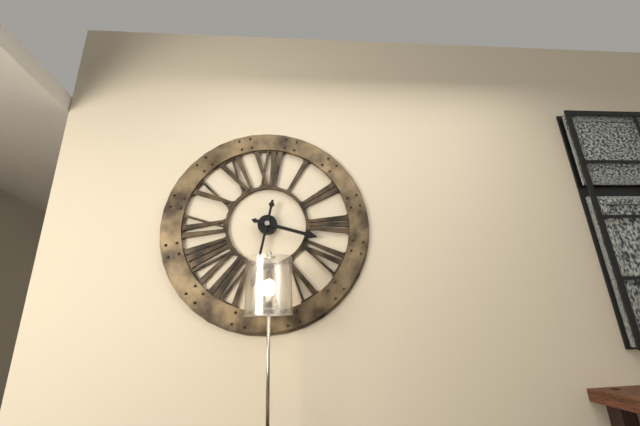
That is h=3 m=32
